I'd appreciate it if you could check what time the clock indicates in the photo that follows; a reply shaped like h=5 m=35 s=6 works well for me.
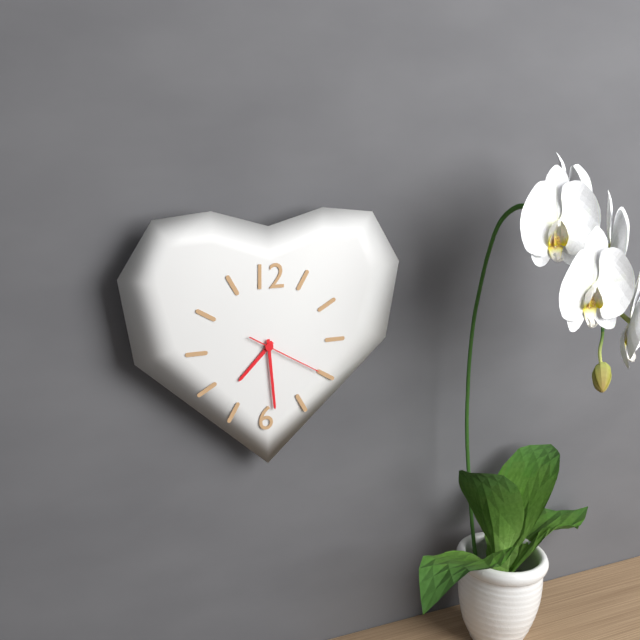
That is h=7 m=29 s=20
